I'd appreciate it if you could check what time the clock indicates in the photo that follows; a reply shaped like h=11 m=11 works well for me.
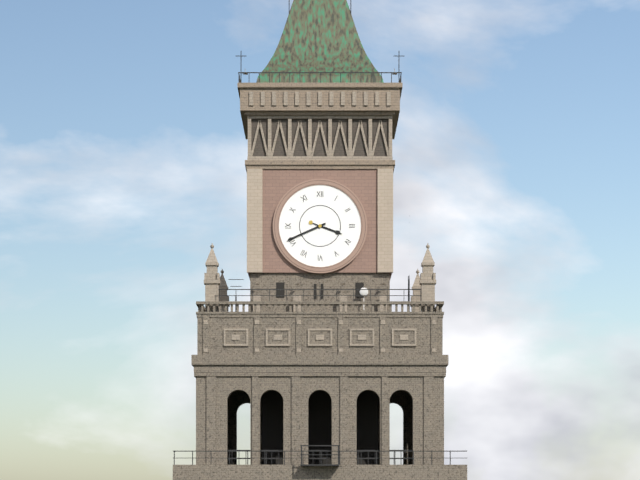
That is h=3 m=41
